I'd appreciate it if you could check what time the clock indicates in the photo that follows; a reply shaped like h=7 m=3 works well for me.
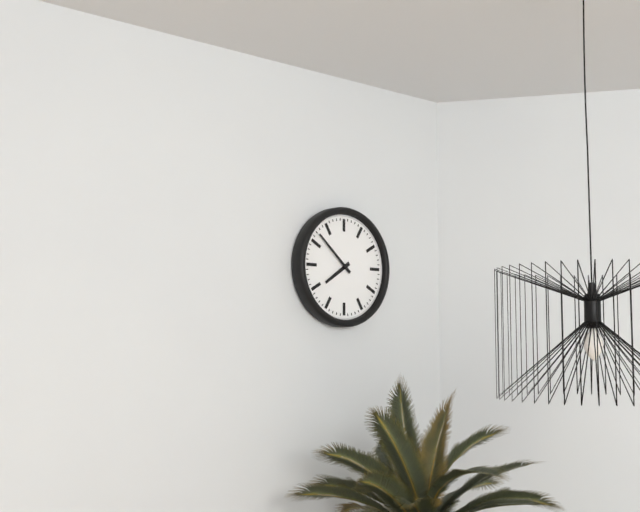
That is h=7 m=52
